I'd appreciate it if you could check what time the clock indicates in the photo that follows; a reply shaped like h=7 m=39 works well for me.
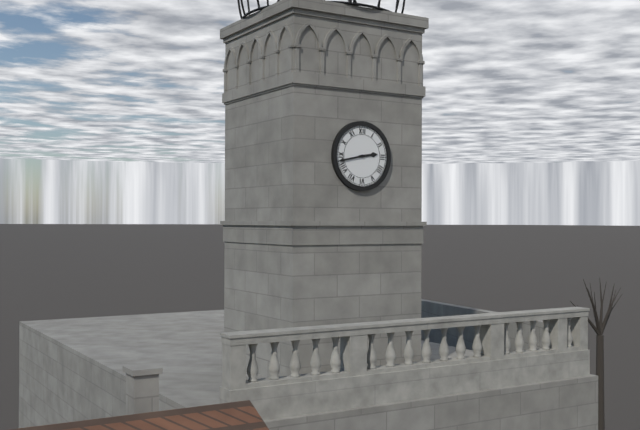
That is h=2 m=43
